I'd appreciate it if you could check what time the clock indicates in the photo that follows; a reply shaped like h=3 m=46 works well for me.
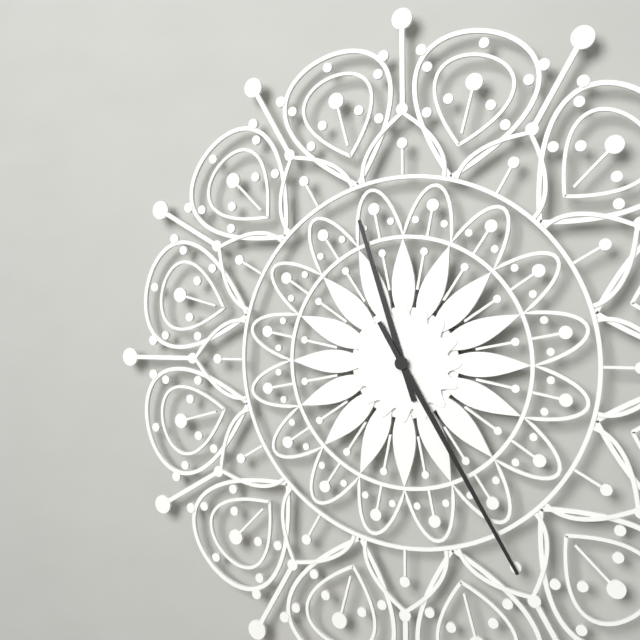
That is h=11 m=25
